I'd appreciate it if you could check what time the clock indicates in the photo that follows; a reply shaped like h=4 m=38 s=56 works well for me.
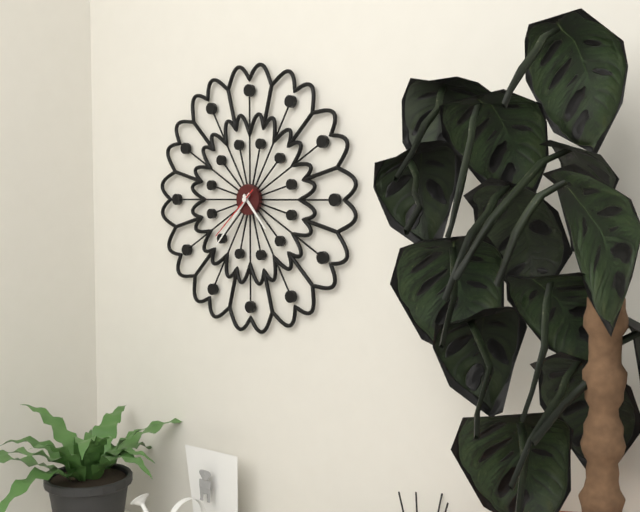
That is h=4 m=37 s=38
